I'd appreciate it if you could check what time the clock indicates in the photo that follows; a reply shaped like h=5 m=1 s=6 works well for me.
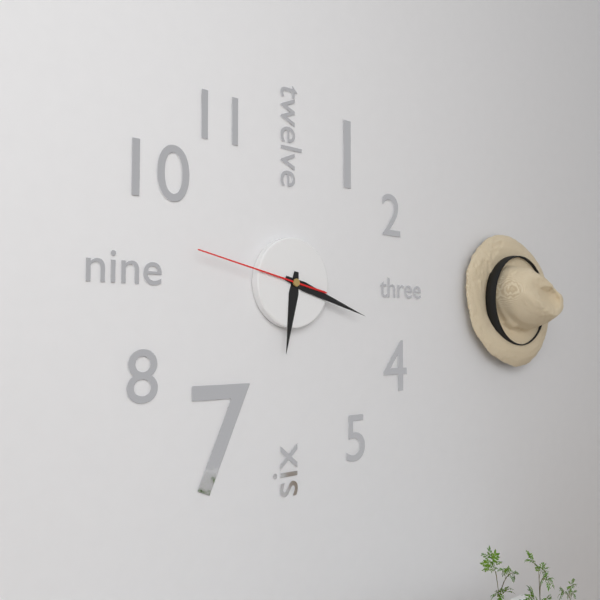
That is h=6 m=18 s=47
